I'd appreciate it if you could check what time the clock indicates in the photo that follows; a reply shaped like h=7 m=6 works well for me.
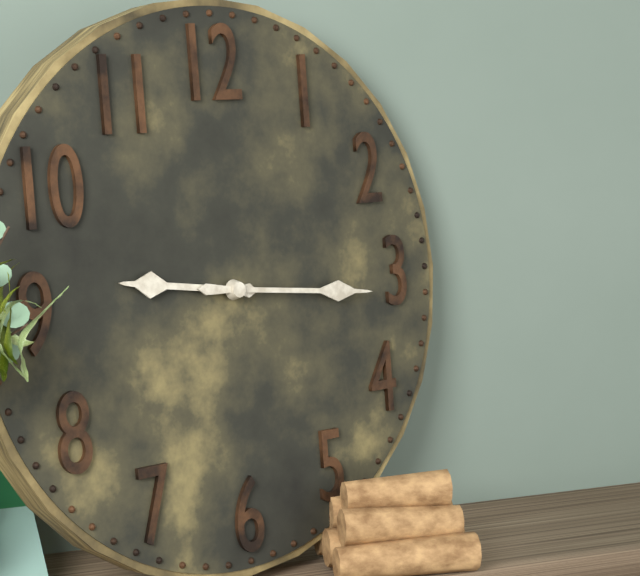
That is h=9 m=16
